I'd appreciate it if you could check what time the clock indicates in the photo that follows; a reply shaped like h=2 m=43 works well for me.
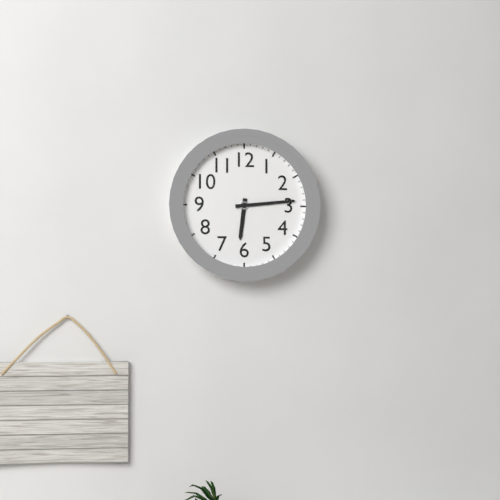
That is h=6 m=14
